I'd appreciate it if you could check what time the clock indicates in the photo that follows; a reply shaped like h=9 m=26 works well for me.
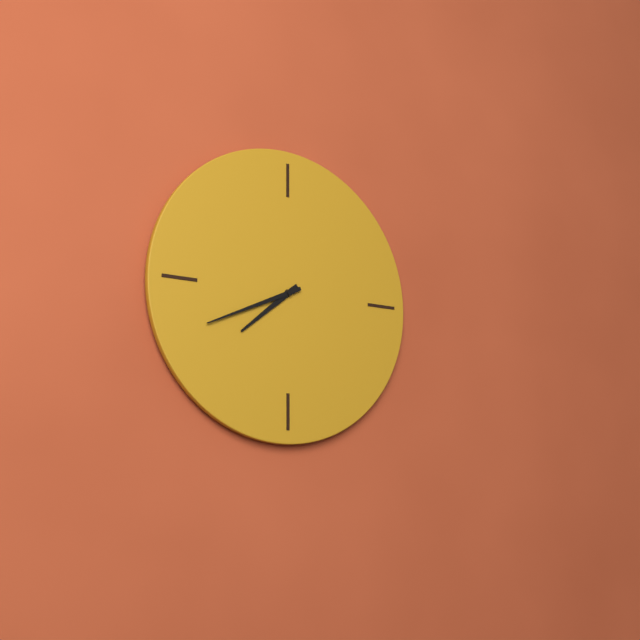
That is h=7 m=41
